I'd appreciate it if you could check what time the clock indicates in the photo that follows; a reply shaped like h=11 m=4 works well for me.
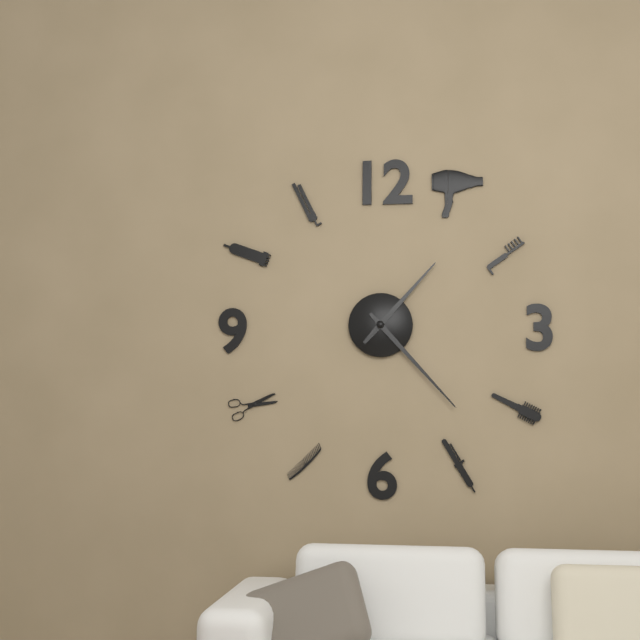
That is h=1 m=23
